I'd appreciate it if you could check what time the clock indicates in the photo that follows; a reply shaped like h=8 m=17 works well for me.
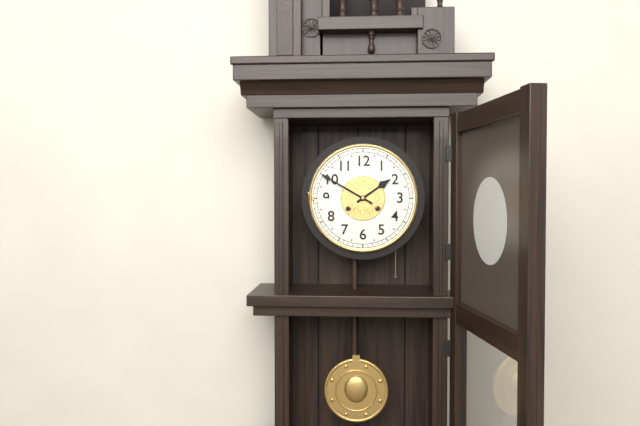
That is h=1 m=50
